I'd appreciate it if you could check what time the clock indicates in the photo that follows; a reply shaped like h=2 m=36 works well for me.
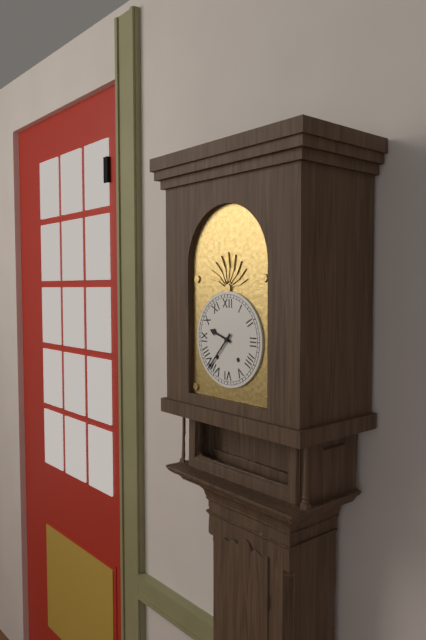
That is h=9 m=37
